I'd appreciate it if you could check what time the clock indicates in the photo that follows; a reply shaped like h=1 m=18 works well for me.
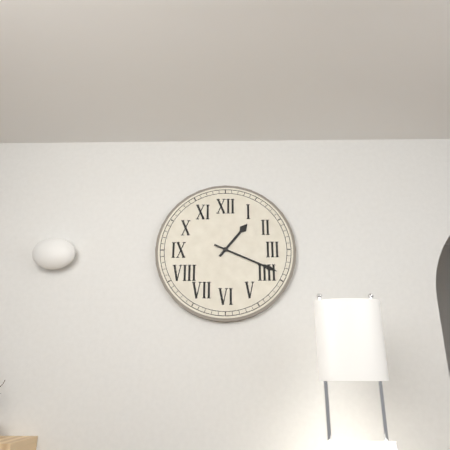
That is h=1 m=19
